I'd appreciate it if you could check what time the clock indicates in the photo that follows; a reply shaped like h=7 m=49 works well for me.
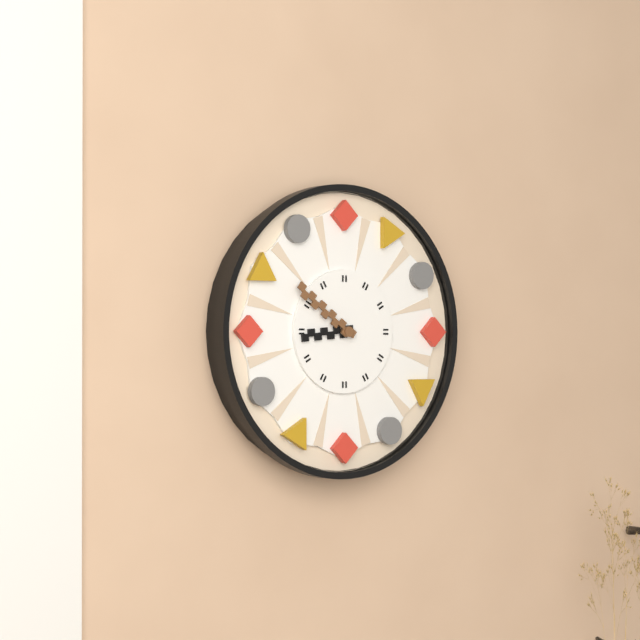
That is h=8 m=51
